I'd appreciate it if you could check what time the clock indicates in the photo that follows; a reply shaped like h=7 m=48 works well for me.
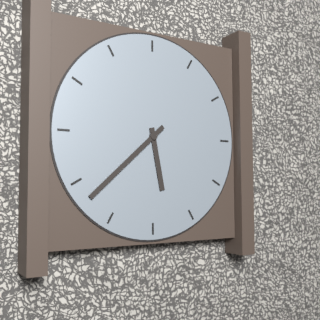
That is h=5 m=38
